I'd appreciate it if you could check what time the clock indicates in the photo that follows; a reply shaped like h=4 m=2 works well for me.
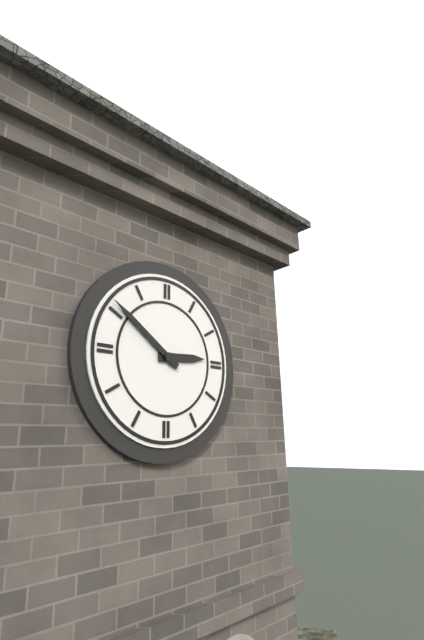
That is h=2 m=51
